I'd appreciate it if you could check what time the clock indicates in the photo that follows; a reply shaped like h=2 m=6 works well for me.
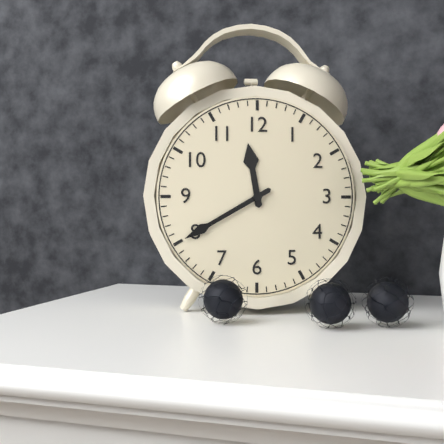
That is h=11 m=40
